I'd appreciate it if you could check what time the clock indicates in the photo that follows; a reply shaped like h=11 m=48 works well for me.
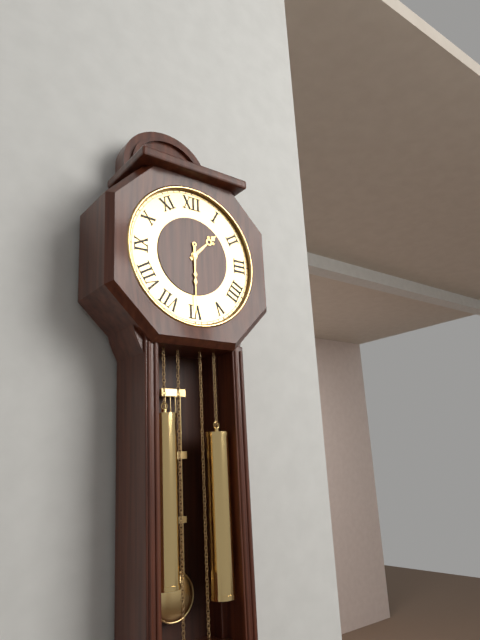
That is h=1 m=30
